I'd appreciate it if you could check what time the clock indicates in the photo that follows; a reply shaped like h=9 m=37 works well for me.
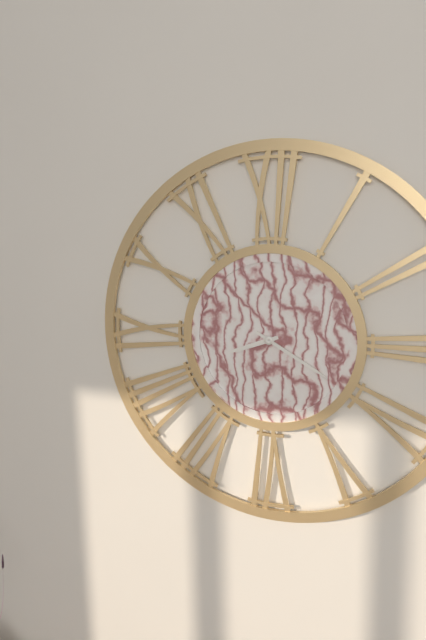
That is h=8 m=20
